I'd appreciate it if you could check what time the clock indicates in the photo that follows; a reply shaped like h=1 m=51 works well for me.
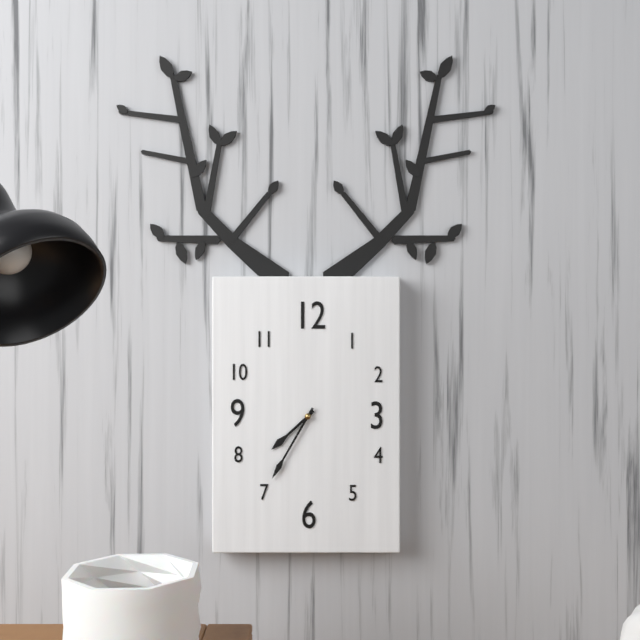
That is h=7 m=35
